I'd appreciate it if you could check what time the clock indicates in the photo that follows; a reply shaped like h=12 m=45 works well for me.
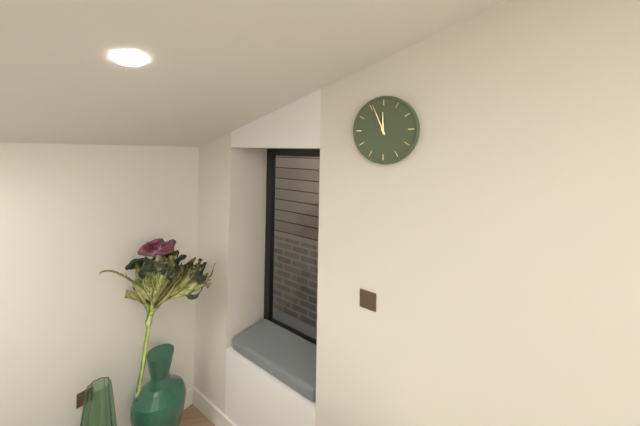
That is h=11 m=56
